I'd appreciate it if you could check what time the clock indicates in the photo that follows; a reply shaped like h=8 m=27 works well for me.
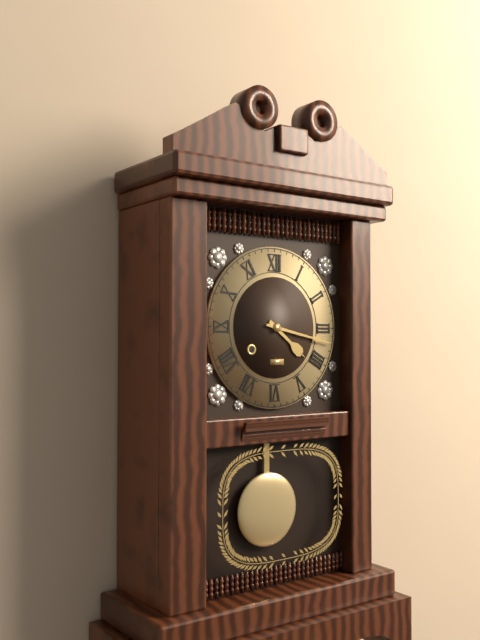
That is h=4 m=17
